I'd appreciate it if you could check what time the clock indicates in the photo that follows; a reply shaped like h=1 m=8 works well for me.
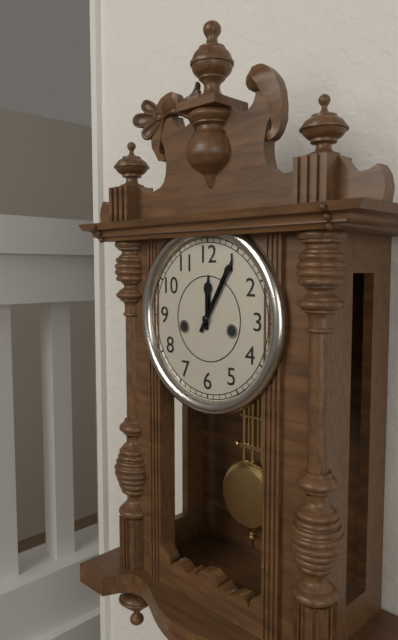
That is h=12 m=5
